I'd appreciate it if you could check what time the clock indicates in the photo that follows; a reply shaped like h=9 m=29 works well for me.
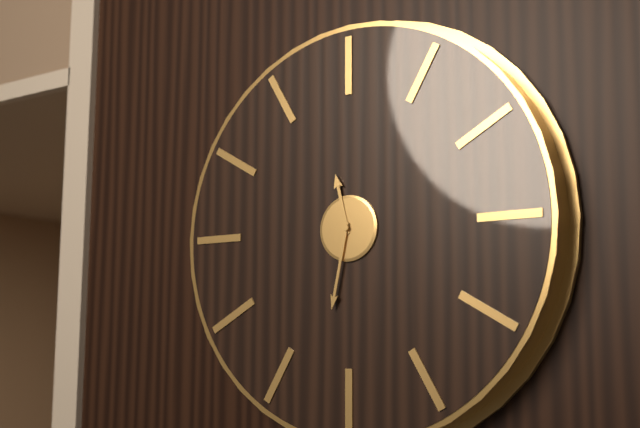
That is h=11 m=32
